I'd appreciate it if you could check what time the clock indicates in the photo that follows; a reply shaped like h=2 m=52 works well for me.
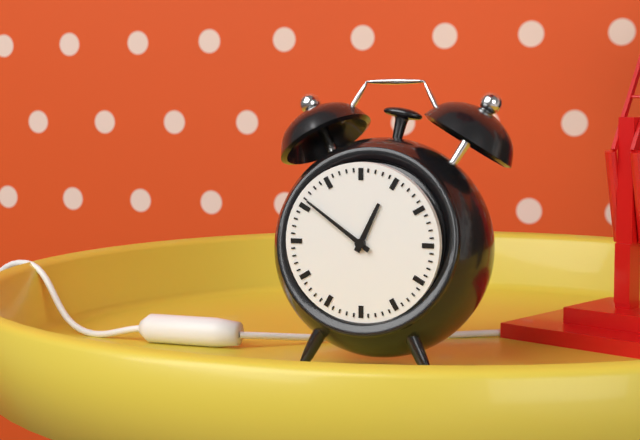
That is h=12 m=51
